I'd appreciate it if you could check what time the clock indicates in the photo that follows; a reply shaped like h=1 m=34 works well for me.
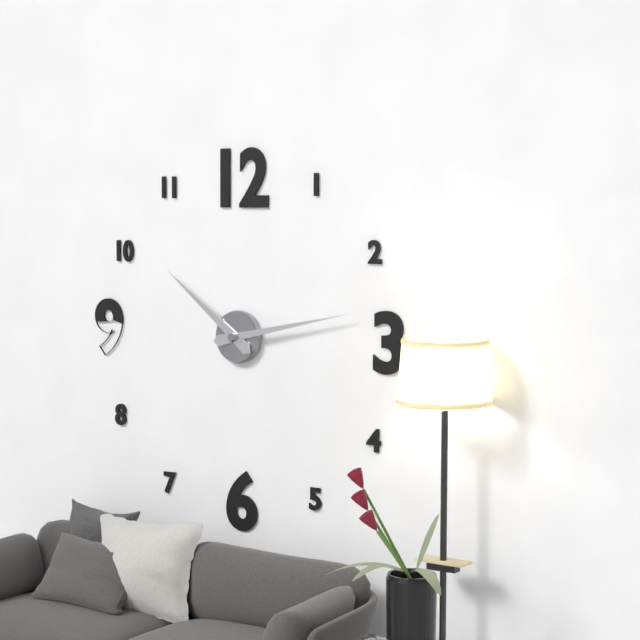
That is h=10 m=13
